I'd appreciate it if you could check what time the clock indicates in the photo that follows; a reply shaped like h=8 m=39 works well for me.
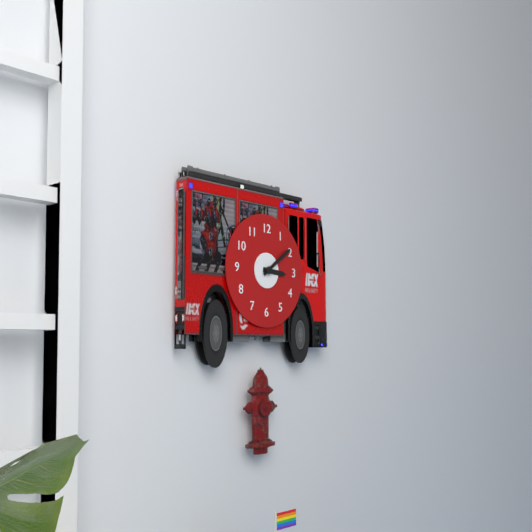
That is h=3 m=9
